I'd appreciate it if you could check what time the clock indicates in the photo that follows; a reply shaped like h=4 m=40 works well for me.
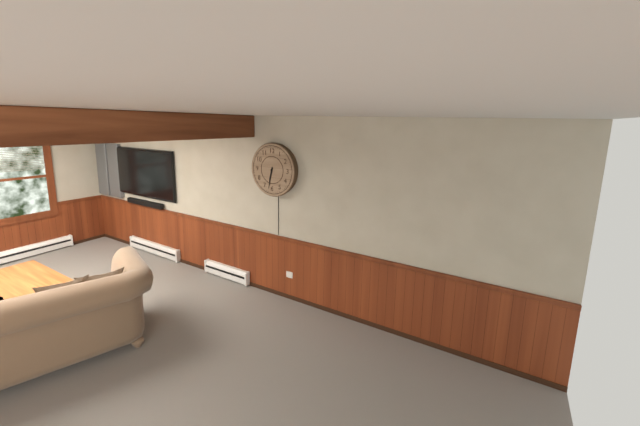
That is h=6 m=32
